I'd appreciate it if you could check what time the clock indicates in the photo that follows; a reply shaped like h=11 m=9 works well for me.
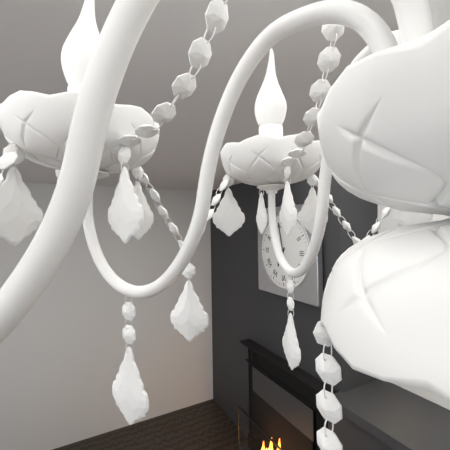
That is h=6 m=58
